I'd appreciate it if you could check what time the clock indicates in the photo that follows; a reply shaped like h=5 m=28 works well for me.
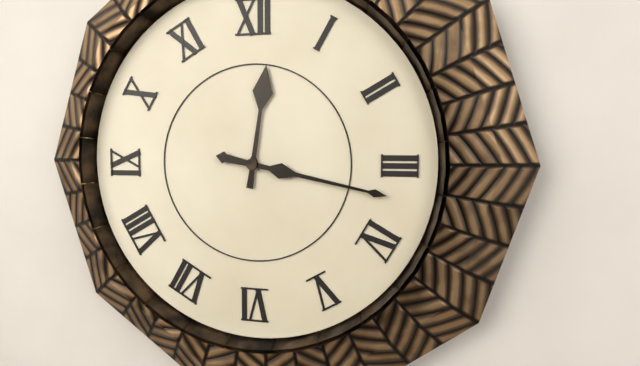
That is h=12 m=17
